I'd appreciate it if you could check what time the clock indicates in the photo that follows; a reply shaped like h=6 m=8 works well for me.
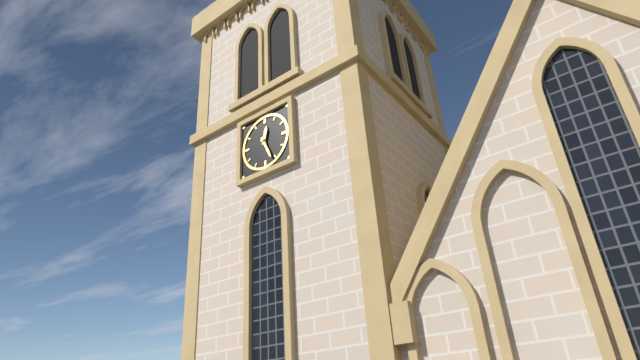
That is h=12 m=26
